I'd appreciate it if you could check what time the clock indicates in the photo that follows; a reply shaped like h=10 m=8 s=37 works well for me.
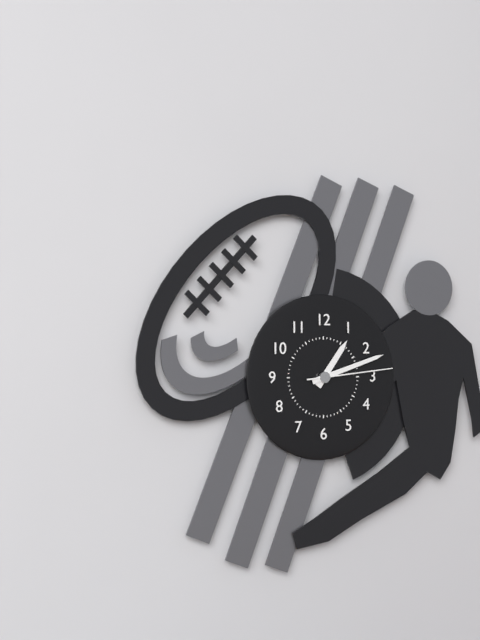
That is h=1 m=12 s=14
